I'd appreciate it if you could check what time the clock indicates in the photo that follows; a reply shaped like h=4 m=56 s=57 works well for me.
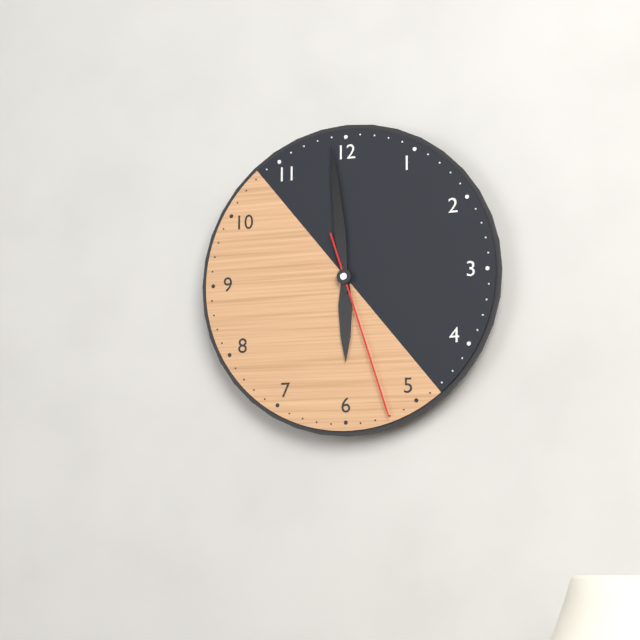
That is h=5 m=59 s=27
